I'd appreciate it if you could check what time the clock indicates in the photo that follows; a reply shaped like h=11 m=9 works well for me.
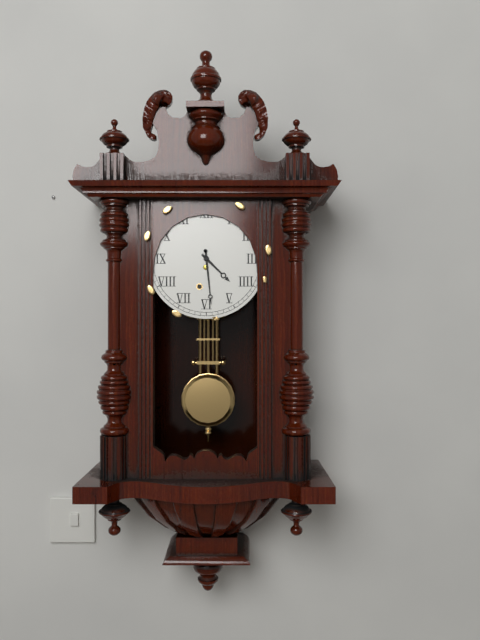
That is h=4 m=29
